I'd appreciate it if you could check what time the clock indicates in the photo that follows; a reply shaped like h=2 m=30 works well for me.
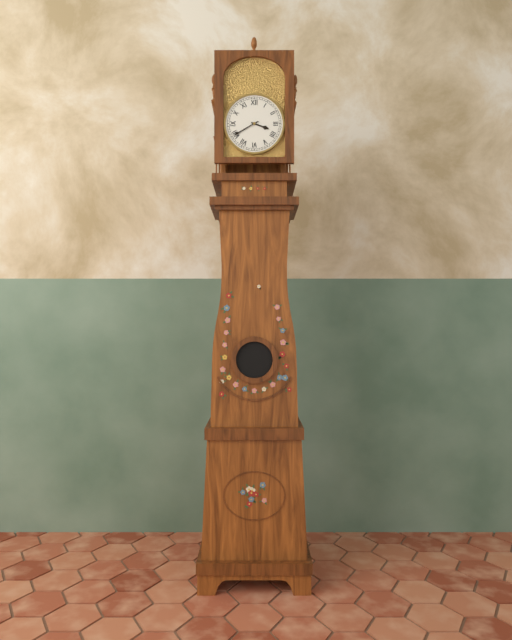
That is h=3 m=40
